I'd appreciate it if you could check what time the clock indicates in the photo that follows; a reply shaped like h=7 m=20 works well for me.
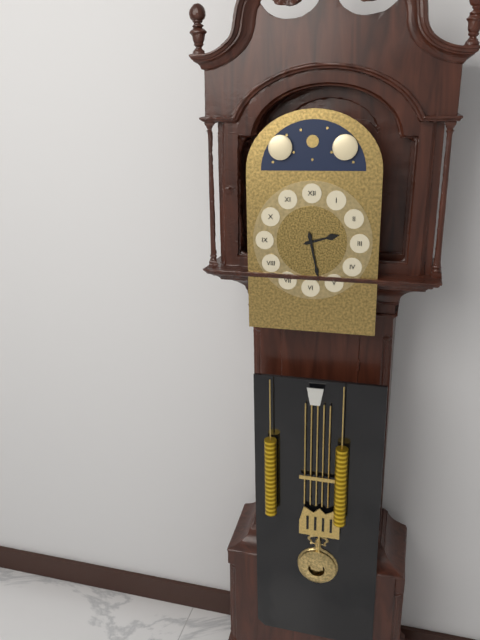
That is h=2 m=28
